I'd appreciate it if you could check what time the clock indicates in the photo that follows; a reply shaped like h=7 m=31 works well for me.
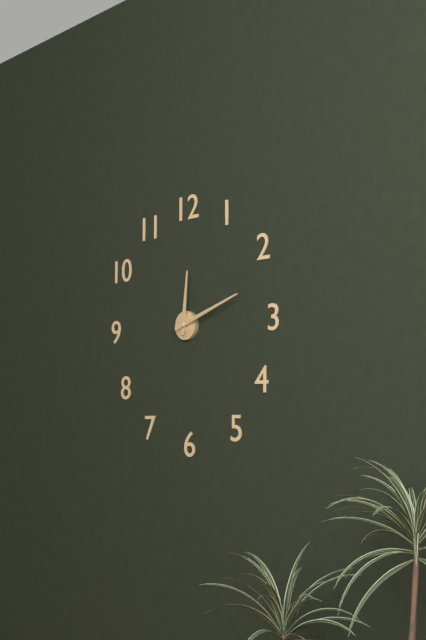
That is h=12 m=12
